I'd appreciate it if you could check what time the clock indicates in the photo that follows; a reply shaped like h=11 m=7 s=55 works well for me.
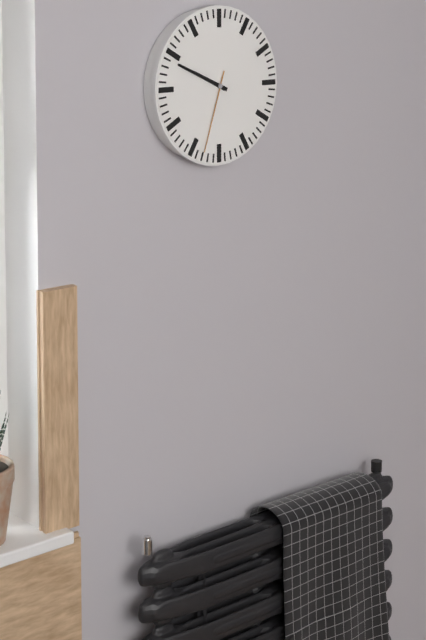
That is h=9 m=49 s=33
